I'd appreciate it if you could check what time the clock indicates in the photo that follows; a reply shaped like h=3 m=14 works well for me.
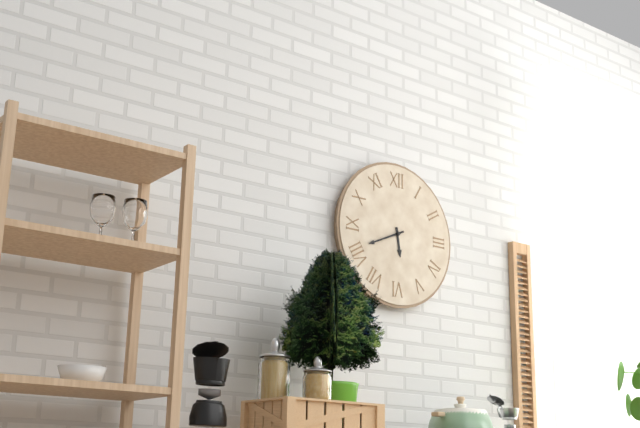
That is h=5 m=41
